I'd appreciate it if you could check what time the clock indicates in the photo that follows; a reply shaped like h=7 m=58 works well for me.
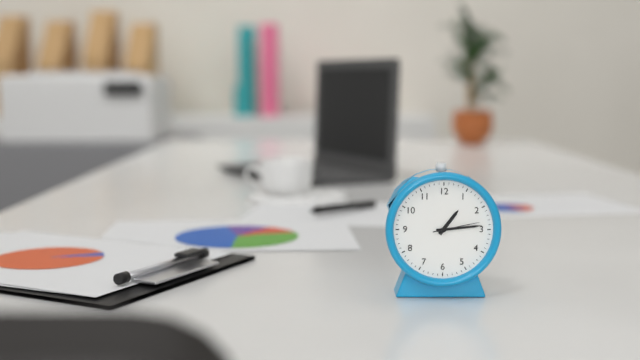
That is h=1 m=14
